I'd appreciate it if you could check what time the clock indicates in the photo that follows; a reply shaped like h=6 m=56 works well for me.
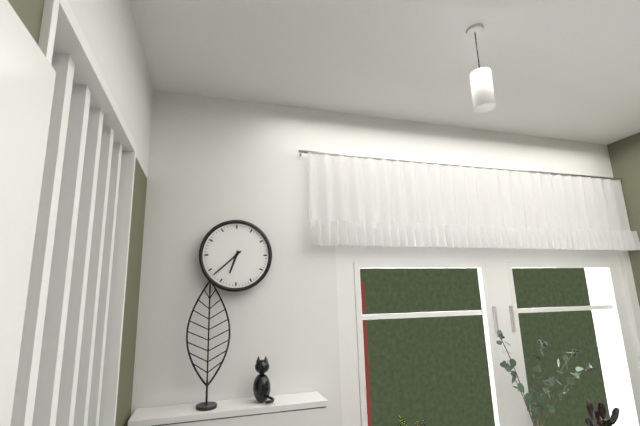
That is h=6 m=38
